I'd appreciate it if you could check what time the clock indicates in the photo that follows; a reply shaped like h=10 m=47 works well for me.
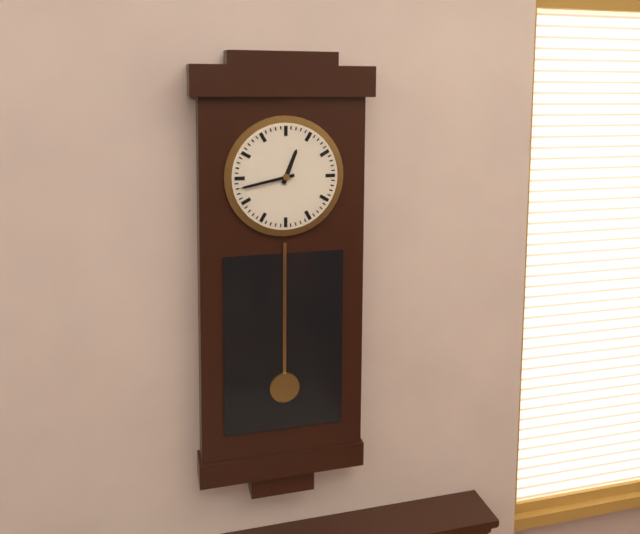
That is h=12 m=43
